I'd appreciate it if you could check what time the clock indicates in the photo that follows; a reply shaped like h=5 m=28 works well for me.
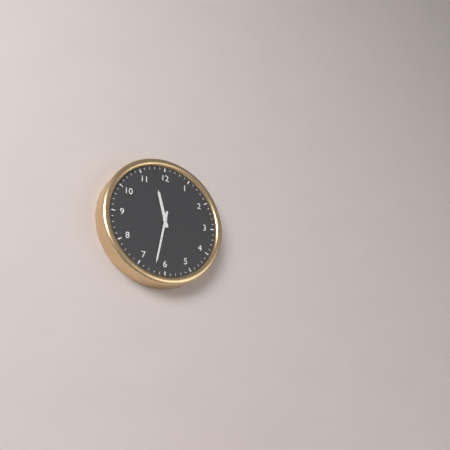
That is h=11 m=32
